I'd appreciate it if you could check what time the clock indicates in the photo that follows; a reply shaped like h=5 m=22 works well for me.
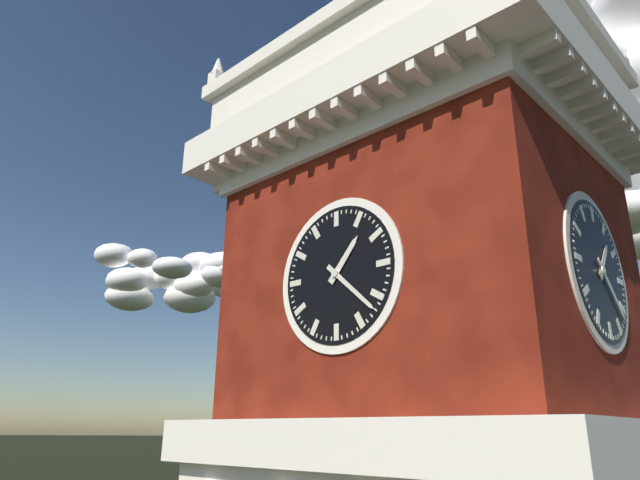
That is h=1 m=22
